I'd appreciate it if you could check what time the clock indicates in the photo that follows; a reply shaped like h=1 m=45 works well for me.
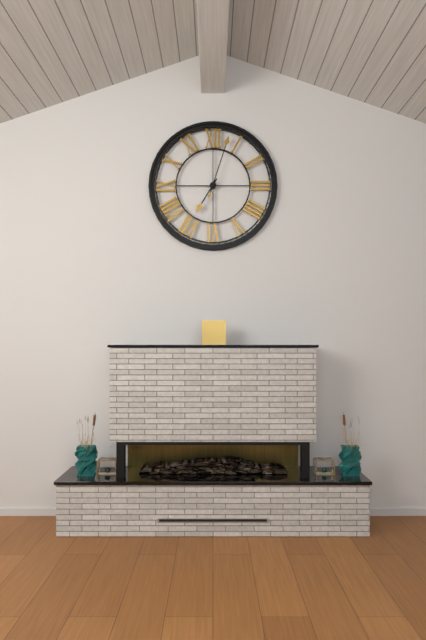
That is h=7 m=3
